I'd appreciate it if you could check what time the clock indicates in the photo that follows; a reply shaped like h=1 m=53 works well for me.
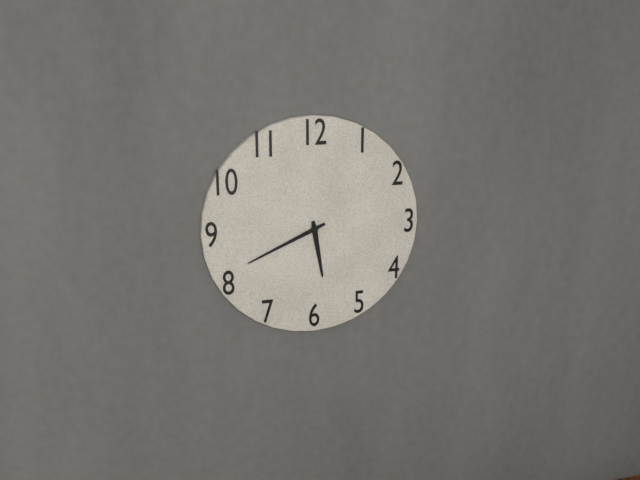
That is h=5 m=41
